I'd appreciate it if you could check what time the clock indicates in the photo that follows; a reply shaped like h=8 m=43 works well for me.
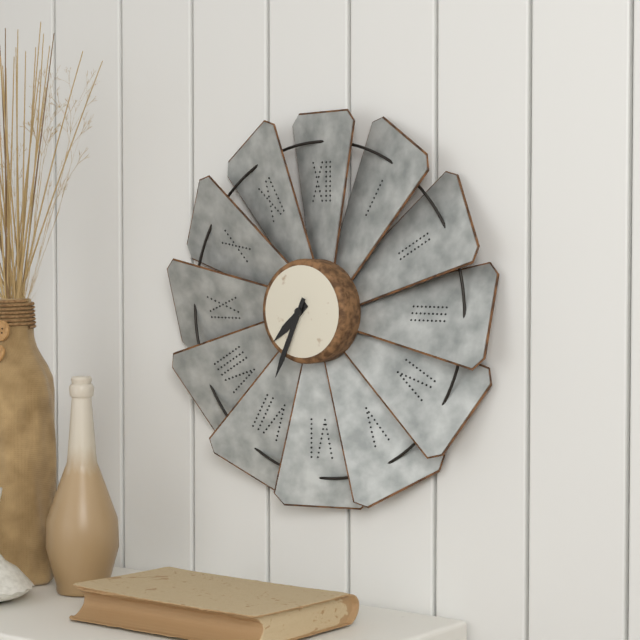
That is h=7 m=34
